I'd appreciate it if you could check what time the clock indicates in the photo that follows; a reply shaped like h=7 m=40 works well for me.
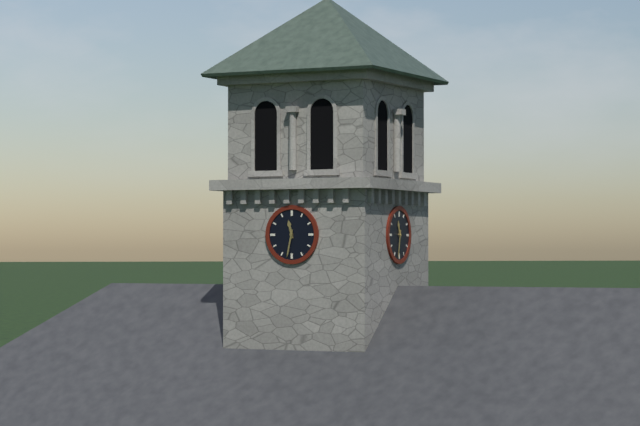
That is h=11 m=32
